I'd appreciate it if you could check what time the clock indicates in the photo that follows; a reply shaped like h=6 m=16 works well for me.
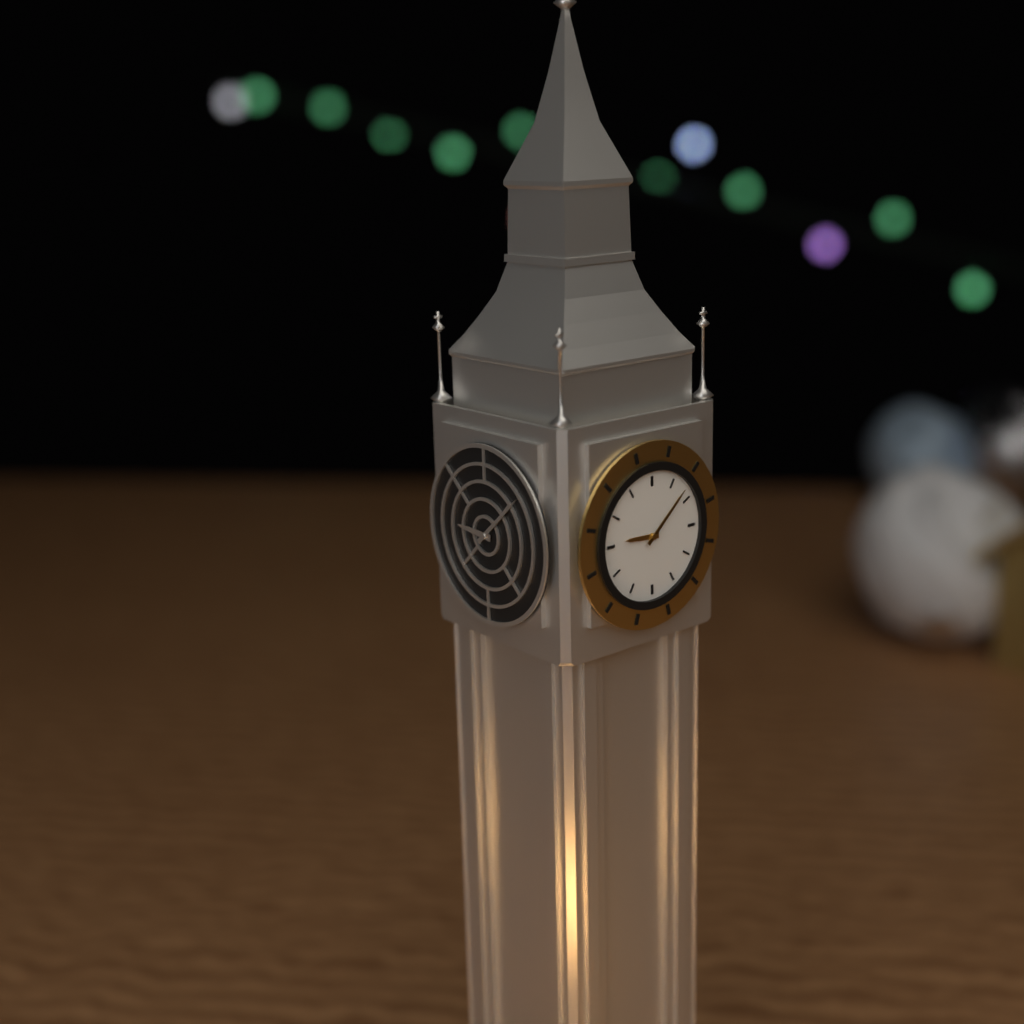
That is h=9 m=8
